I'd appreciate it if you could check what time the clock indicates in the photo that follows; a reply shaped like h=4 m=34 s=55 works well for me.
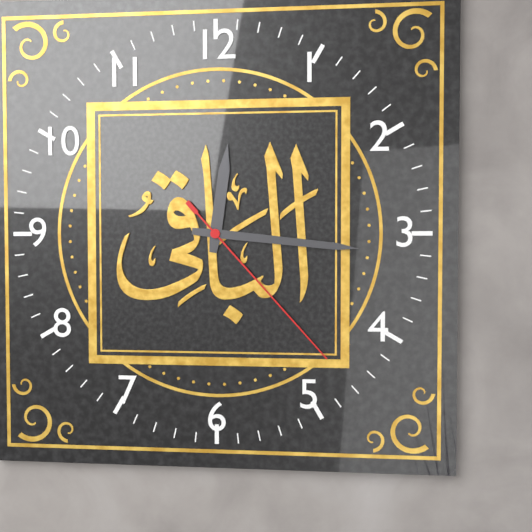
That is h=12 m=16 s=23
